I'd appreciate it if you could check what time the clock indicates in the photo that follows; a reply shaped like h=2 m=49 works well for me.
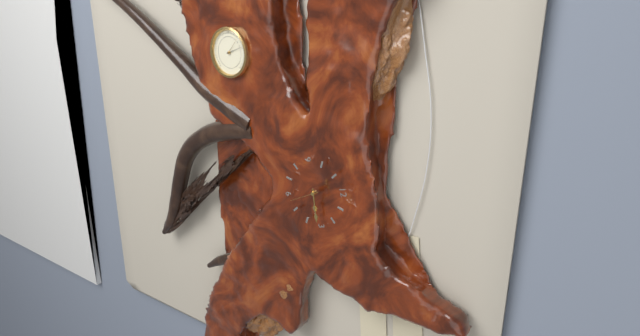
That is h=3 m=16
